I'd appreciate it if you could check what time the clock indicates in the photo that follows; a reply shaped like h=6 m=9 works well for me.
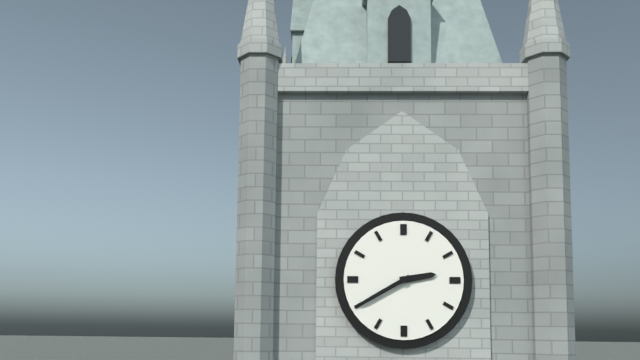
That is h=2 m=40
